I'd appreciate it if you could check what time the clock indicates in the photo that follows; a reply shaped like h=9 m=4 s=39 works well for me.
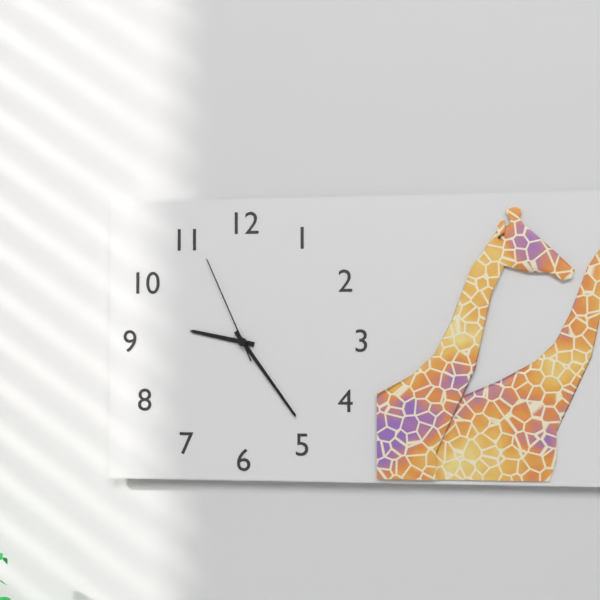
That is h=9 m=24 s=56
